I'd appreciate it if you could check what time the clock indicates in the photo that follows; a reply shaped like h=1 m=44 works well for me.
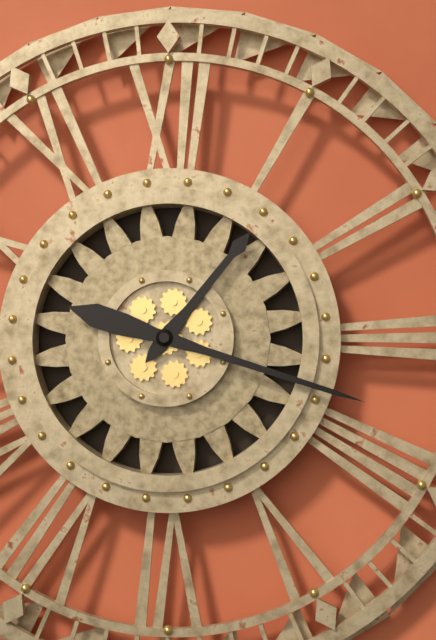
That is h=1 m=18
